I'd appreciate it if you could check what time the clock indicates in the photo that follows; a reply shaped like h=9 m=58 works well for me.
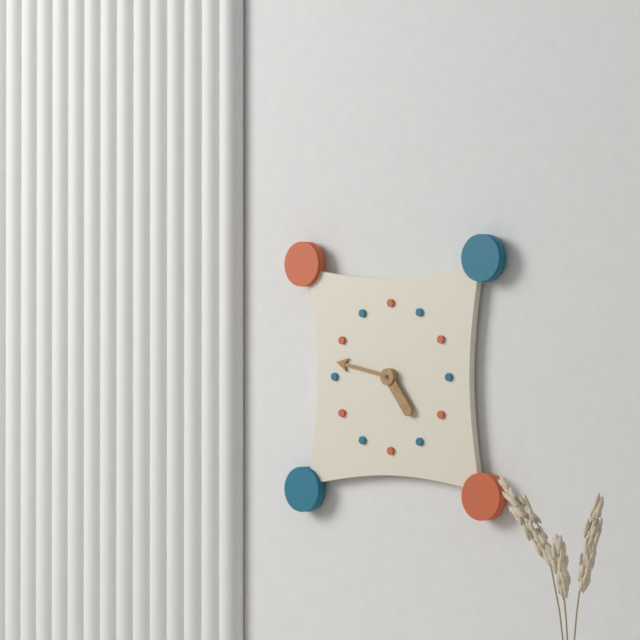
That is h=4 m=47
